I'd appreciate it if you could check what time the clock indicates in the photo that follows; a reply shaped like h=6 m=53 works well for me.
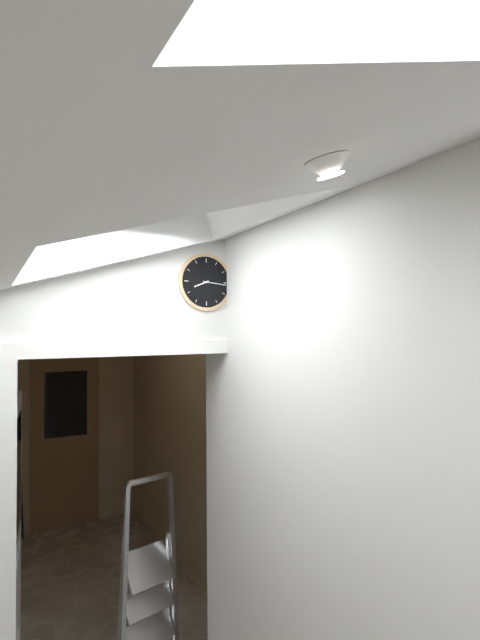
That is h=8 m=16
